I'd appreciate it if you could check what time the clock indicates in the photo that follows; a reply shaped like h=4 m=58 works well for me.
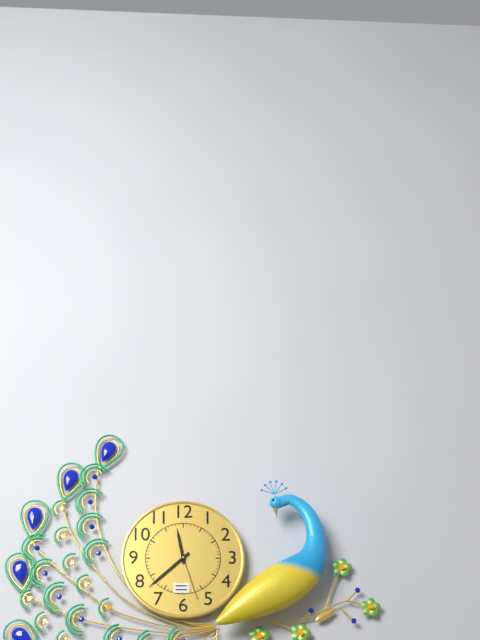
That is h=11 m=38
